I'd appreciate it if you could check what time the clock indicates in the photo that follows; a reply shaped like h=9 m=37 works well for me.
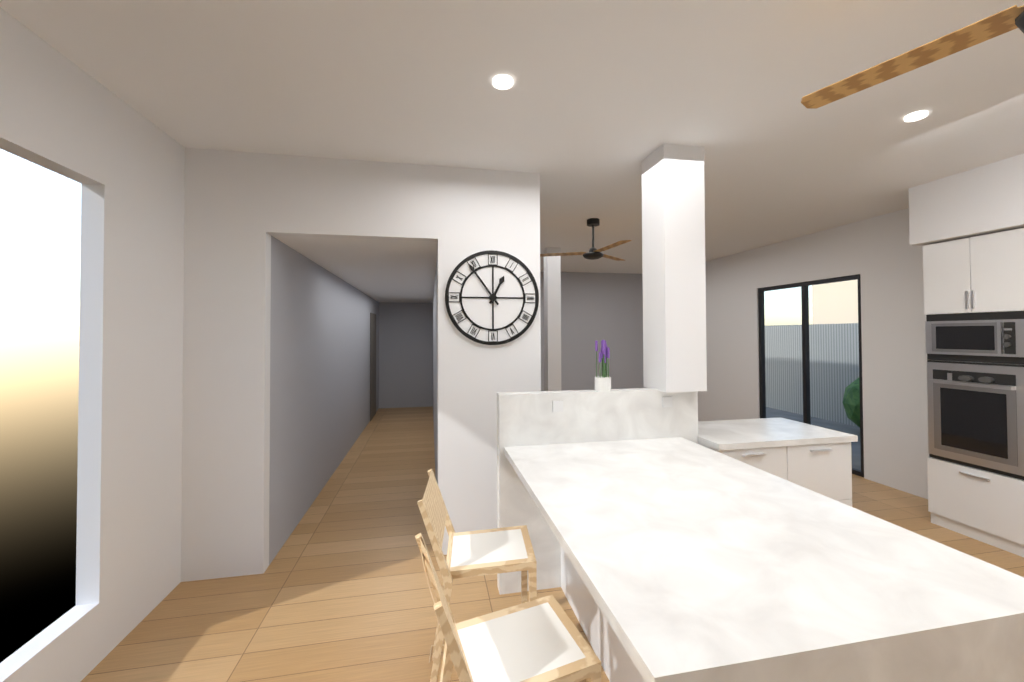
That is h=12 m=54
